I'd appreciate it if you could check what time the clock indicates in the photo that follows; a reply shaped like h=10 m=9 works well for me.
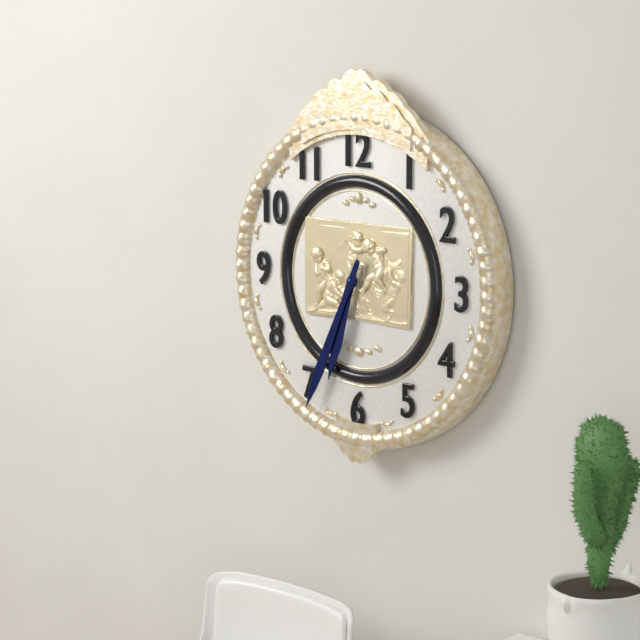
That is h=6 m=34
